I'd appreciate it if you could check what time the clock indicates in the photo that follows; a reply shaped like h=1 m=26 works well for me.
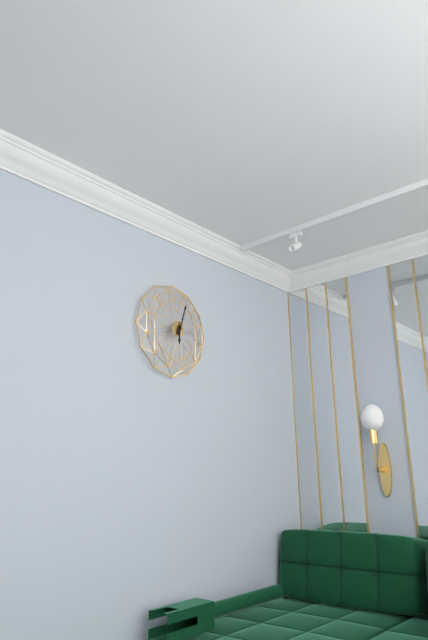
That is h=6 m=3
